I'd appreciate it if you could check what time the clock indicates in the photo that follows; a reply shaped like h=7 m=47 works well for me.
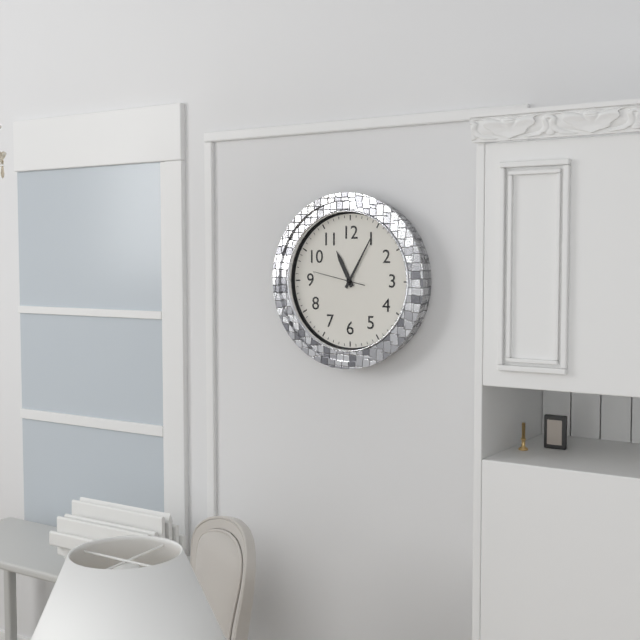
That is h=11 m=5
